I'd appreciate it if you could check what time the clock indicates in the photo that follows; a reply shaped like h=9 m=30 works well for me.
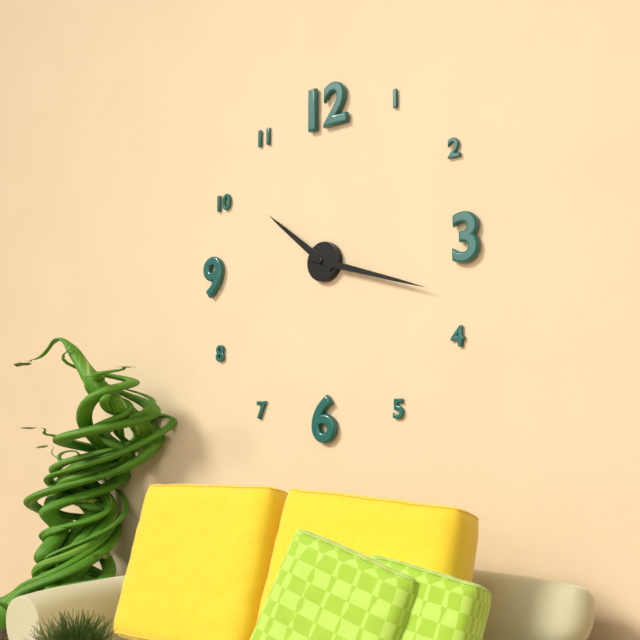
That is h=10 m=18
